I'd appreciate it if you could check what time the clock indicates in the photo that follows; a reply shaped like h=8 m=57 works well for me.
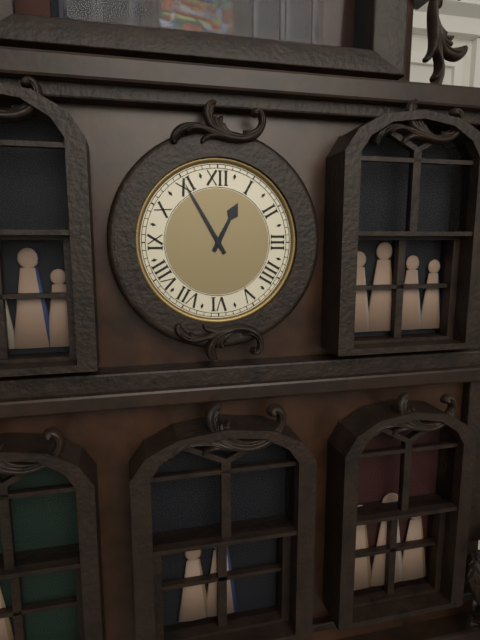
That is h=12 m=55
